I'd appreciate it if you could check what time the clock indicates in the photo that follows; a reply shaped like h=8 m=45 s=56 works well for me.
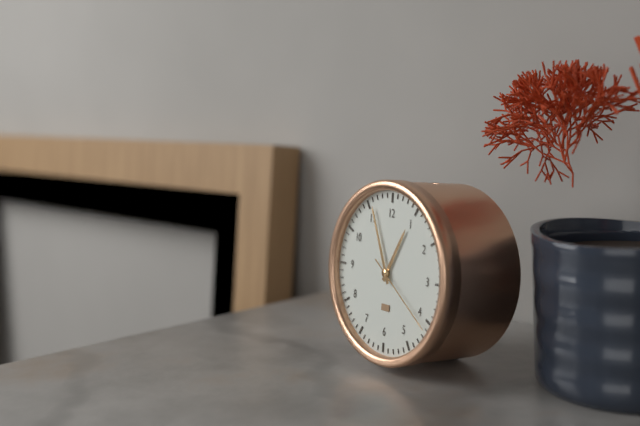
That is h=12 m=56 s=21
